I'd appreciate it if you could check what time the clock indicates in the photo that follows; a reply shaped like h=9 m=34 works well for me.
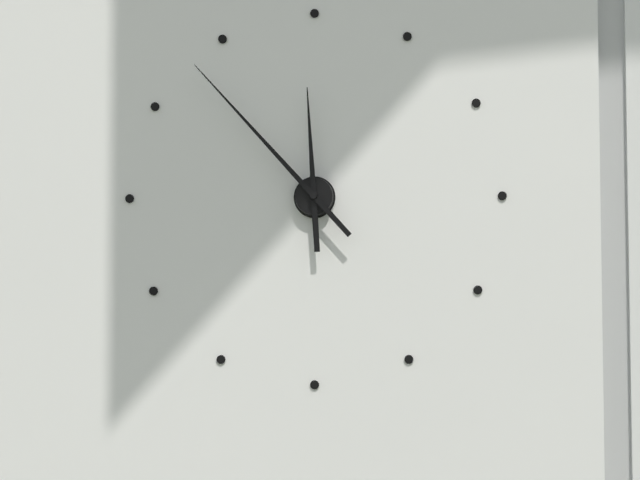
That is h=11 m=53
